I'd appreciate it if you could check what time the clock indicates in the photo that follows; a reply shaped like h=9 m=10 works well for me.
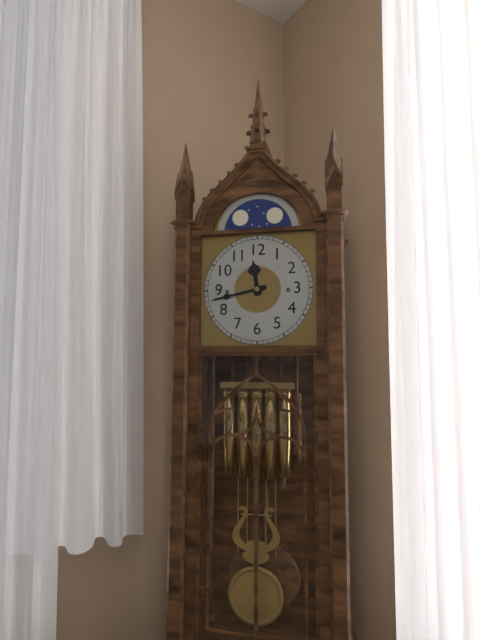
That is h=11 m=43
